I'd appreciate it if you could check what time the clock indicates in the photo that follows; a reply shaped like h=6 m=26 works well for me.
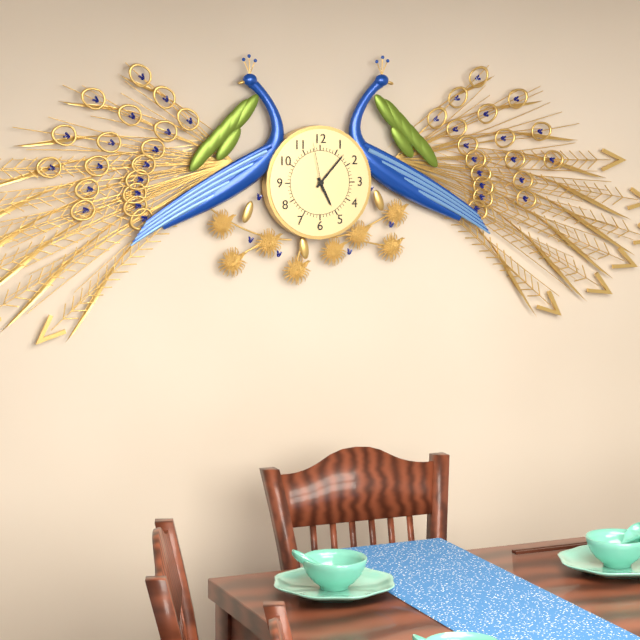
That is h=5 m=7
